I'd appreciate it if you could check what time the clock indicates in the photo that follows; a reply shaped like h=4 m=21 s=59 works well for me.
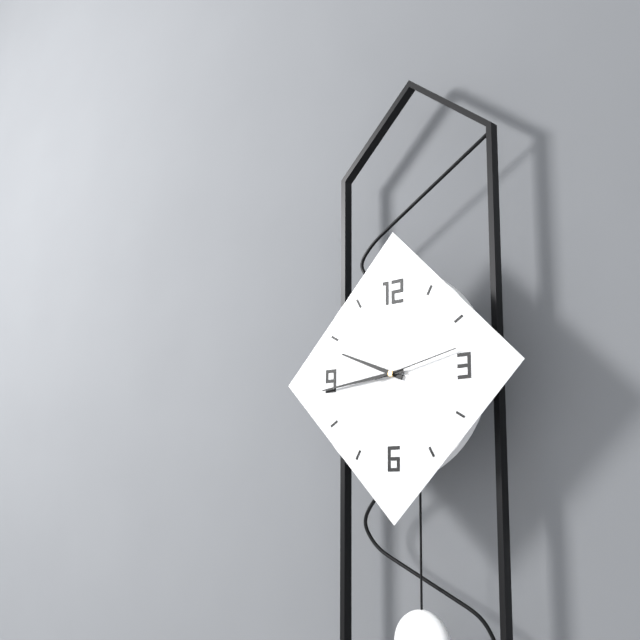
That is h=9 m=44 s=13
